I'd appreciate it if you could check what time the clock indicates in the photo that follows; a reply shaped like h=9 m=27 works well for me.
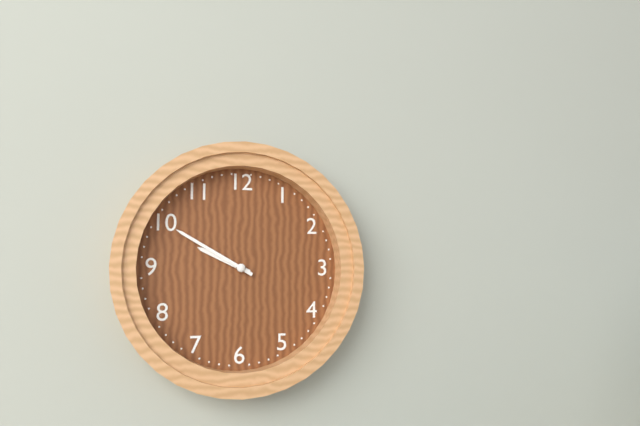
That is h=9 m=50
